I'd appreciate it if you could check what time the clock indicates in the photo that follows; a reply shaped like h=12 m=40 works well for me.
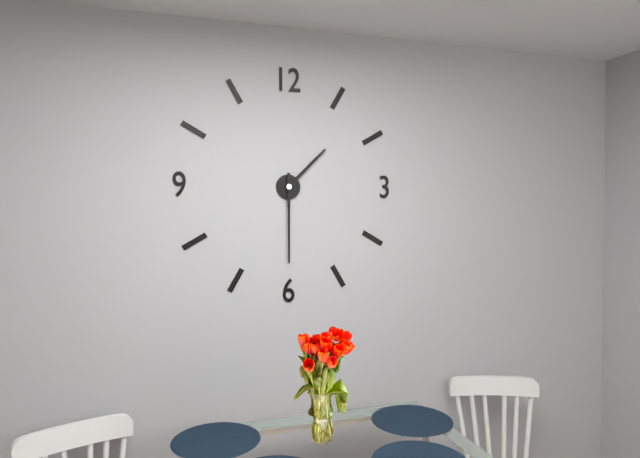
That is h=1 m=30
